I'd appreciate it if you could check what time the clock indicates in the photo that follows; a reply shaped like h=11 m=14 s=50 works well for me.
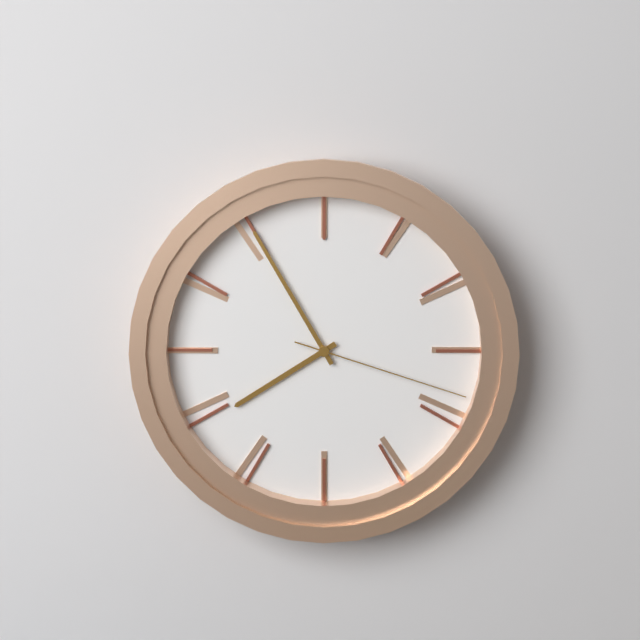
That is h=7 m=55 s=18
